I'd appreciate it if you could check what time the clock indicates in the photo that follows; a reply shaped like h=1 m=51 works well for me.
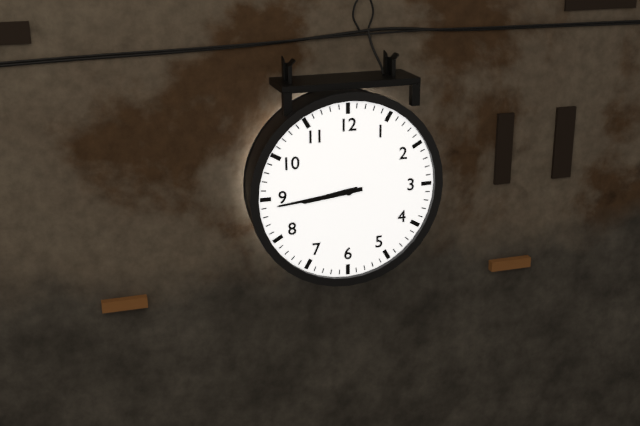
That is h=8 m=44
